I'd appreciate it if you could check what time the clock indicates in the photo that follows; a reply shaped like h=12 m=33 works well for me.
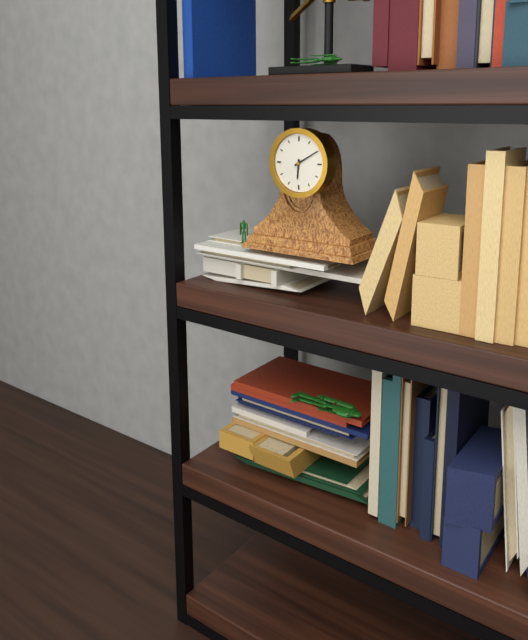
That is h=6 m=10
